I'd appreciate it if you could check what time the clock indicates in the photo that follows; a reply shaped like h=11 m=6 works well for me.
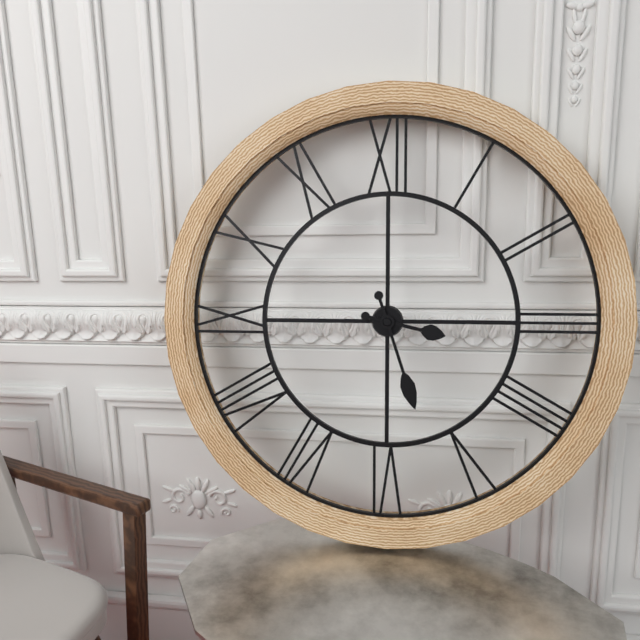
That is h=3 m=27
